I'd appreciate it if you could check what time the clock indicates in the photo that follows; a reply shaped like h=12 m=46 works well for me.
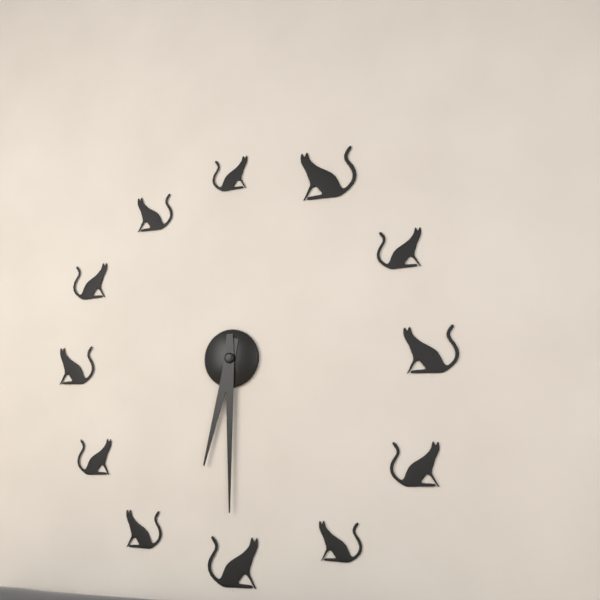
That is h=6 m=30
